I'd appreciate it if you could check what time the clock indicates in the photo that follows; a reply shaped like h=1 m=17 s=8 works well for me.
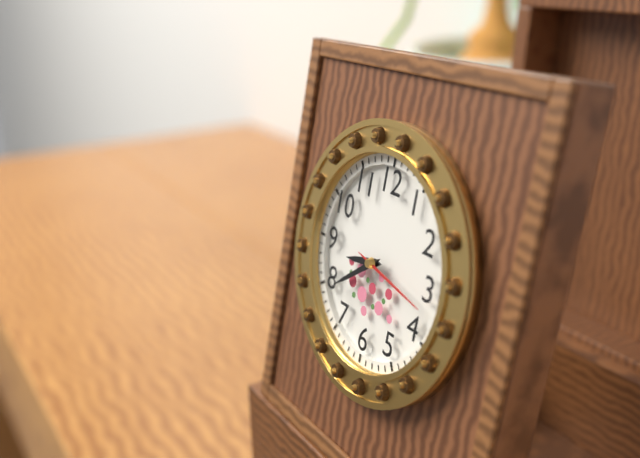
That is h=8 m=39 s=17
